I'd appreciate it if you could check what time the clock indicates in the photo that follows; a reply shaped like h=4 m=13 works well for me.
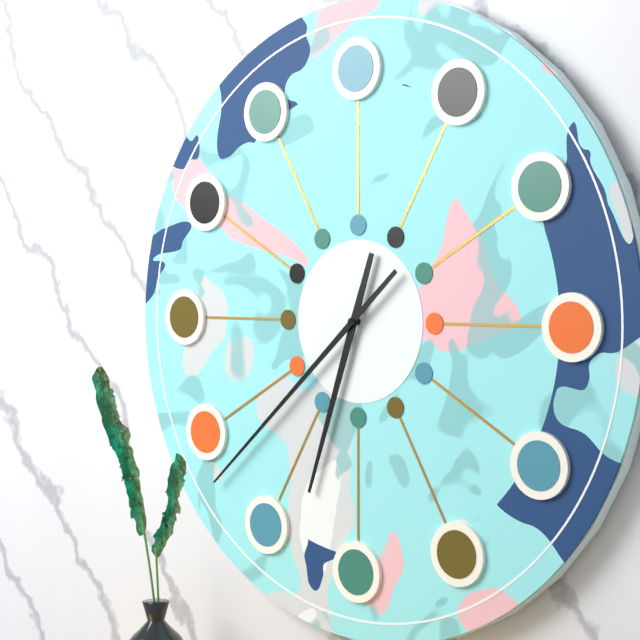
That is h=6 m=38
